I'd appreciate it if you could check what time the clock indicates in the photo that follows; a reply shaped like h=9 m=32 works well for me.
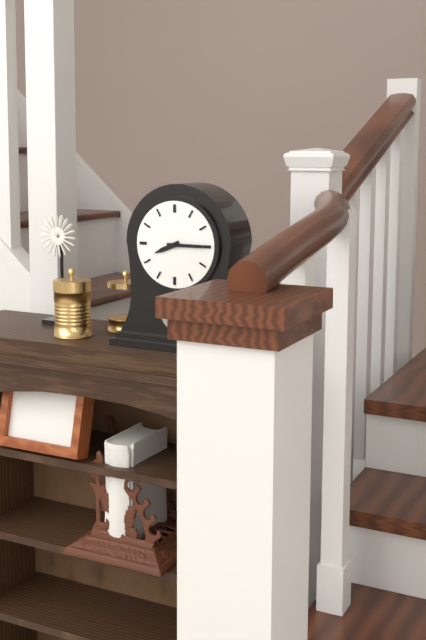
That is h=8 m=15
